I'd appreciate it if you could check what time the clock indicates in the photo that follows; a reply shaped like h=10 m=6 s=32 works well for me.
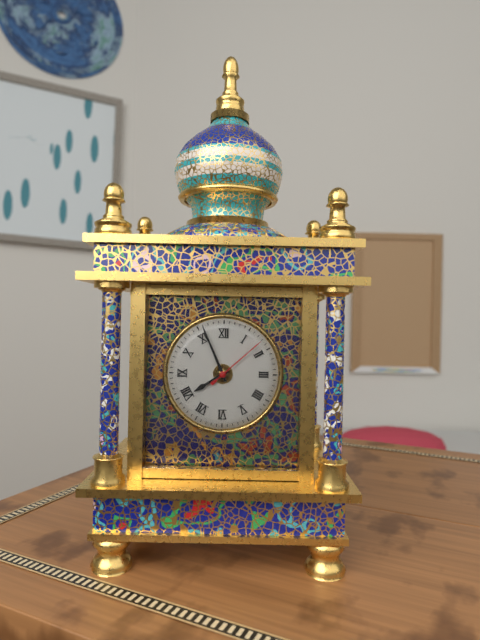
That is h=7 m=56 s=8
